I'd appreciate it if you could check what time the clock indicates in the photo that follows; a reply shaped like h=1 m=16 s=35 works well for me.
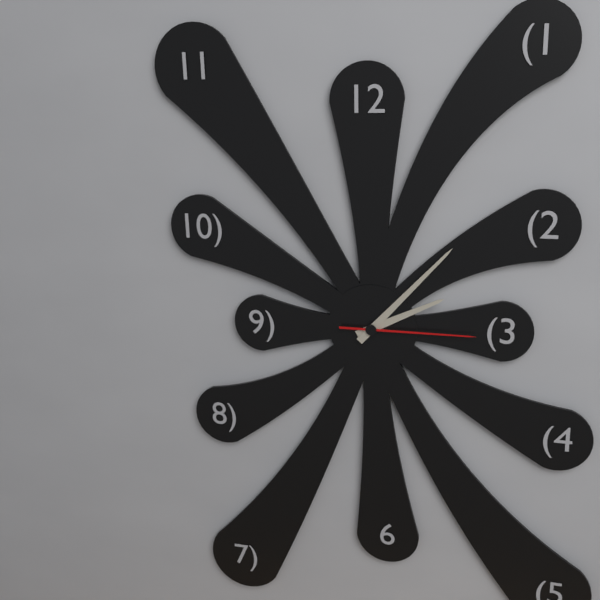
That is h=2 m=7 s=15
